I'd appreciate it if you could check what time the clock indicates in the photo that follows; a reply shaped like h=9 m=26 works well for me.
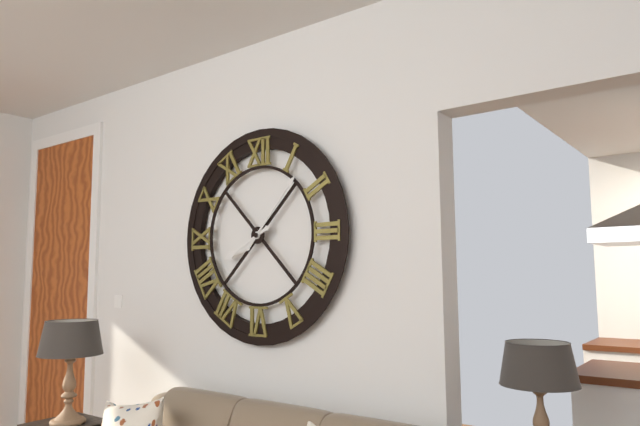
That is h=8 m=7
